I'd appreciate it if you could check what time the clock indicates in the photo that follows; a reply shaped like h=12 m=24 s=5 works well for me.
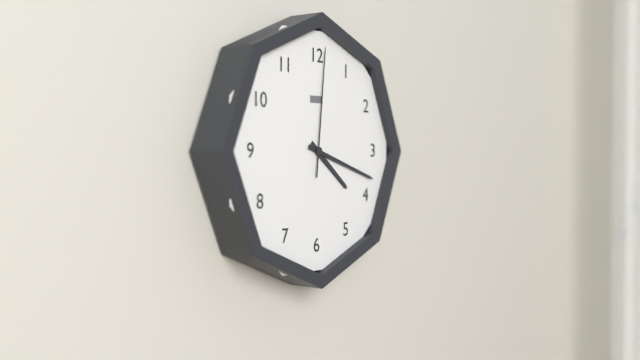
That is h=4 m=18 s=1
